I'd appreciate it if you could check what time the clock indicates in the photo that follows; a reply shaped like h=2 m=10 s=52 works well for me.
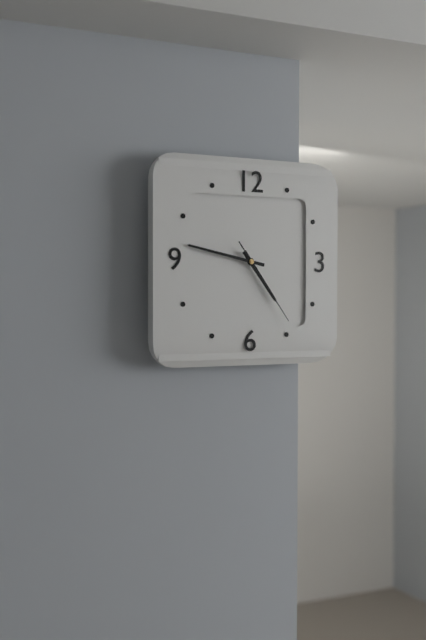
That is h=4 m=47 s=24
